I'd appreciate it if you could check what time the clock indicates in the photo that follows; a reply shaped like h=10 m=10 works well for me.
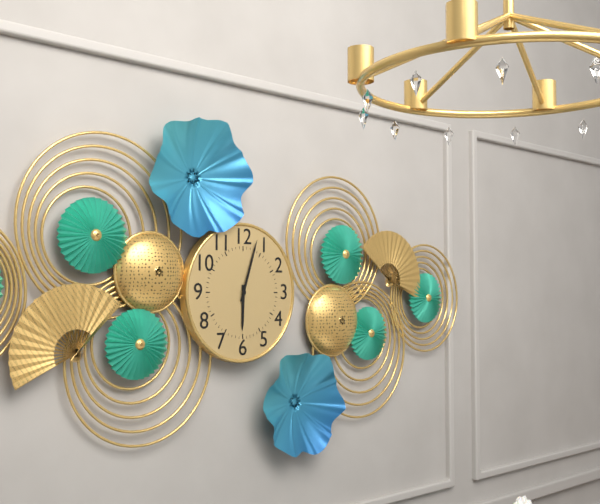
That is h=6 m=3
